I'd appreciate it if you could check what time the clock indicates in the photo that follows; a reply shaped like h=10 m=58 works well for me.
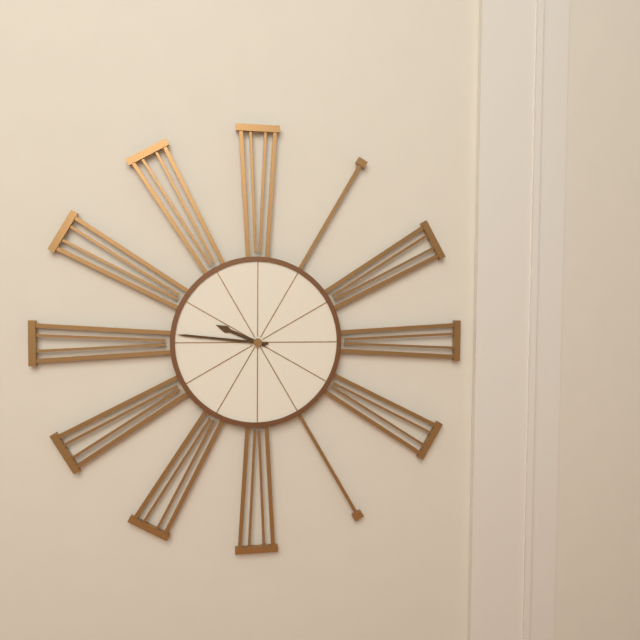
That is h=9 m=46
